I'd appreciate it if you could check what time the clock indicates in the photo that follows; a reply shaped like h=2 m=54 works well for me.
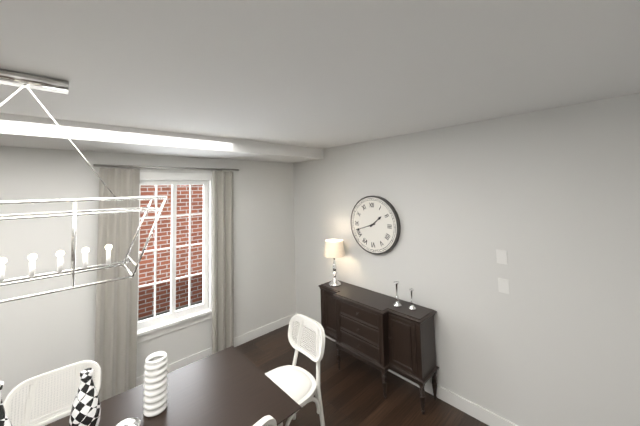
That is h=1 m=42
